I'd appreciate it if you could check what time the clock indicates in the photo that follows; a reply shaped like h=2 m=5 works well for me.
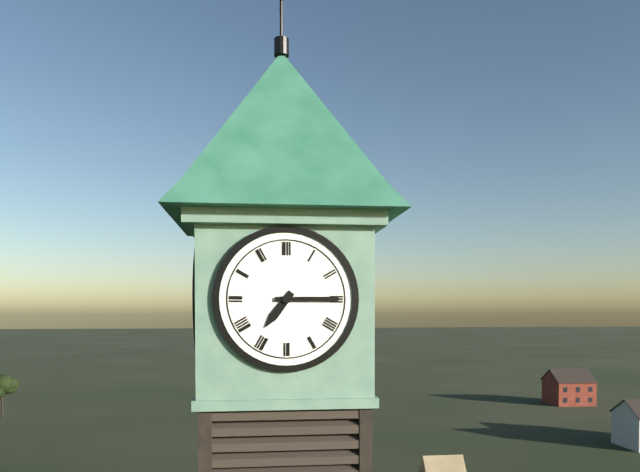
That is h=7 m=15
